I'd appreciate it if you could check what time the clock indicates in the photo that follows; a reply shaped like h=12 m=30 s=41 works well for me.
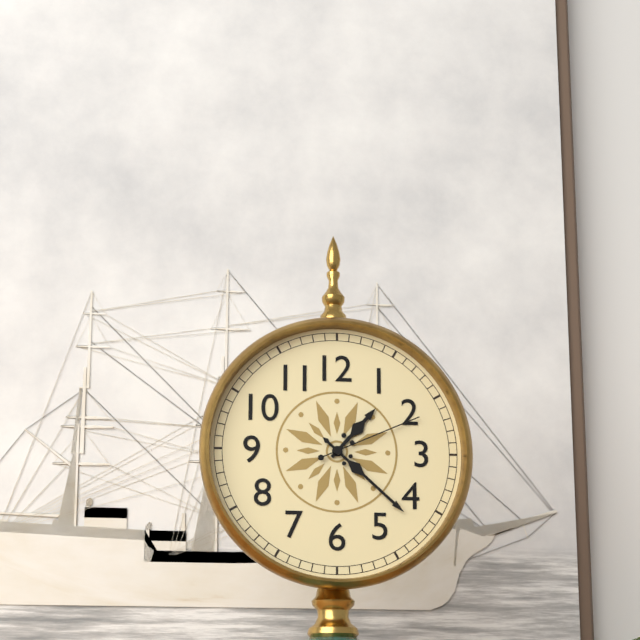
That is h=1 m=22 s=11
